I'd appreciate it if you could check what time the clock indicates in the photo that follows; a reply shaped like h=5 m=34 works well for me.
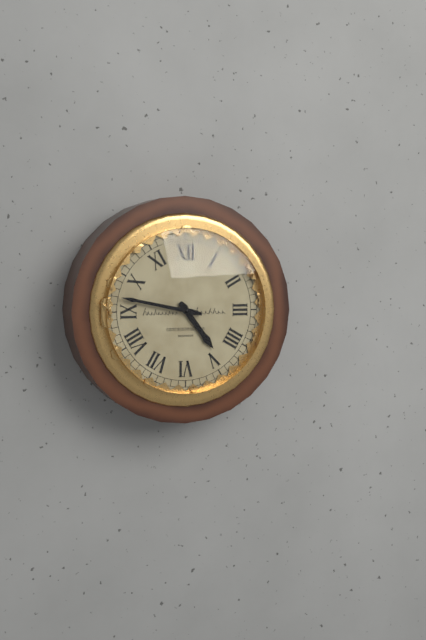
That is h=4 m=47
